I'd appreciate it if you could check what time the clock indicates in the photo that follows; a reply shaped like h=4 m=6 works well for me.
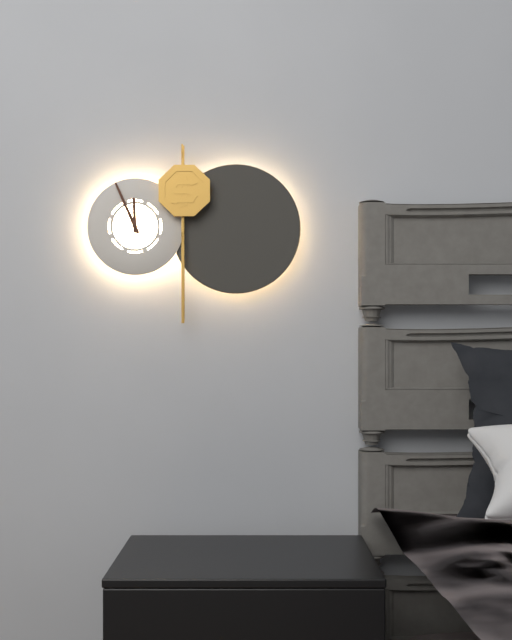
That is h=11 m=56
